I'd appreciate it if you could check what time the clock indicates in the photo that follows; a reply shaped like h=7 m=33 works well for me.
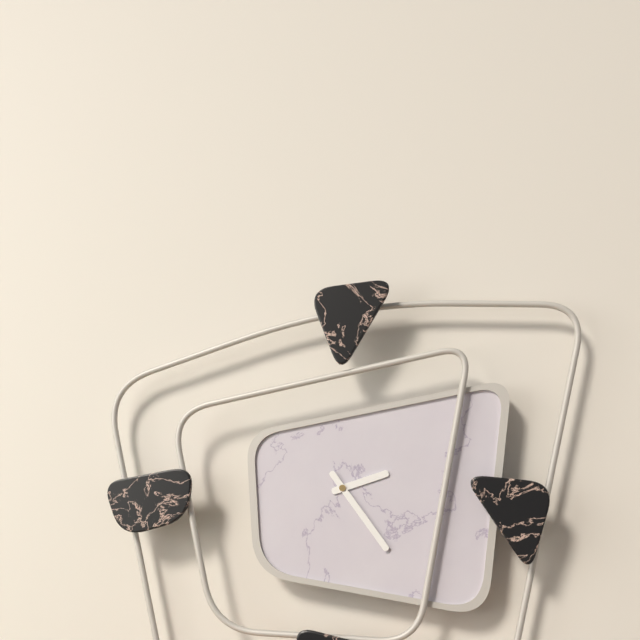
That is h=2 m=24
